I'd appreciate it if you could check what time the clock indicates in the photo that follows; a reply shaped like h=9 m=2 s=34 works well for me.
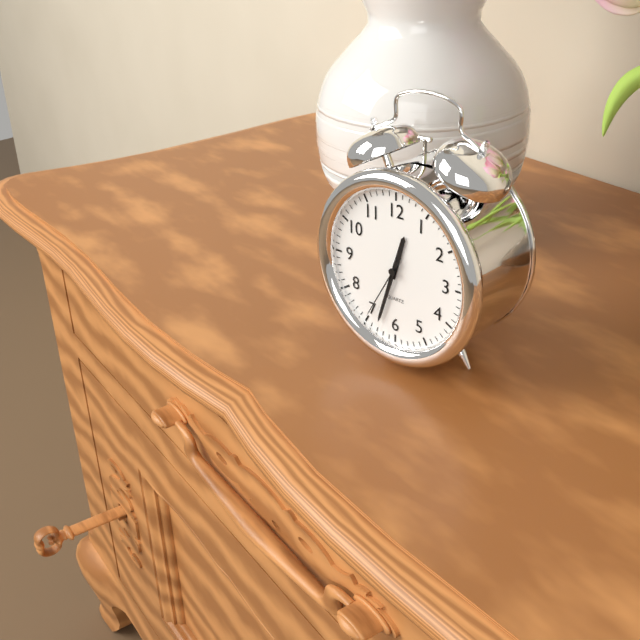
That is h=12 m=33 s=35
